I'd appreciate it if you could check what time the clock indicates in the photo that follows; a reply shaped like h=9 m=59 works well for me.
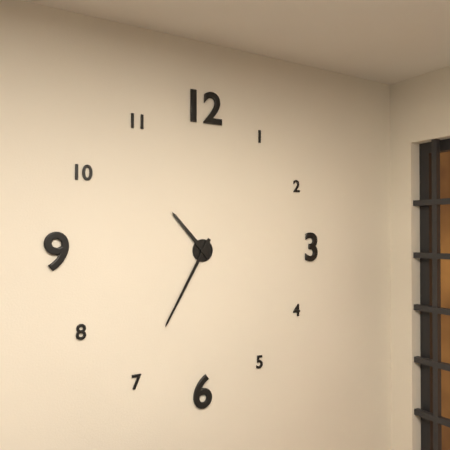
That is h=10 m=35
